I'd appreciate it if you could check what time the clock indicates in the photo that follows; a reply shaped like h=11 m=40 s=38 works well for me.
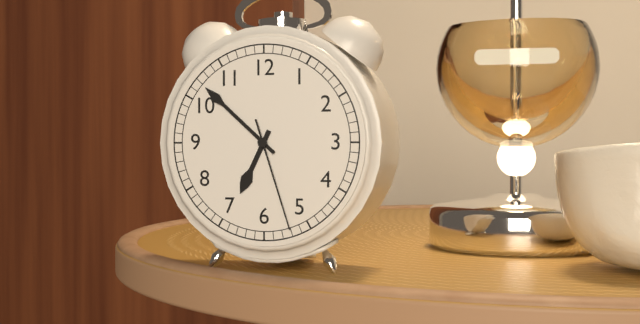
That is h=6 m=52 s=27
